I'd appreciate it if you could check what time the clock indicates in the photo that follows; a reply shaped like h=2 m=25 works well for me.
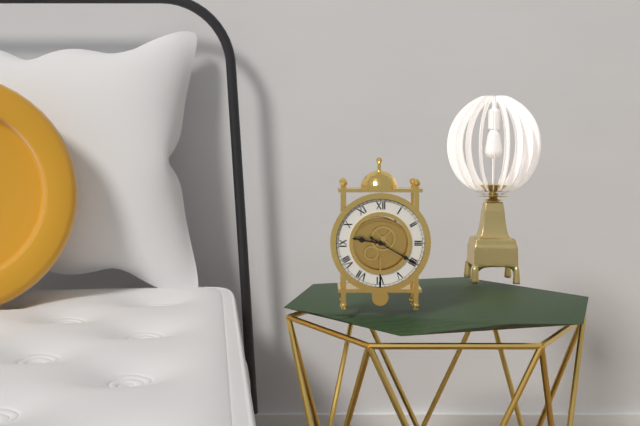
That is h=9 m=20
